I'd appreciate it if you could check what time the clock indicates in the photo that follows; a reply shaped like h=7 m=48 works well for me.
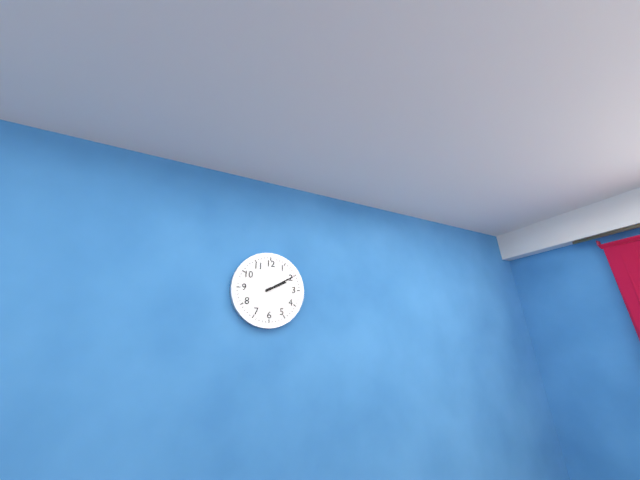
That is h=2 m=10
